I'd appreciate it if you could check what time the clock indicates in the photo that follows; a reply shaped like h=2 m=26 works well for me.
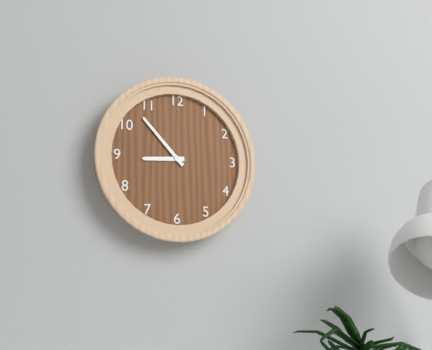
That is h=8 m=53
